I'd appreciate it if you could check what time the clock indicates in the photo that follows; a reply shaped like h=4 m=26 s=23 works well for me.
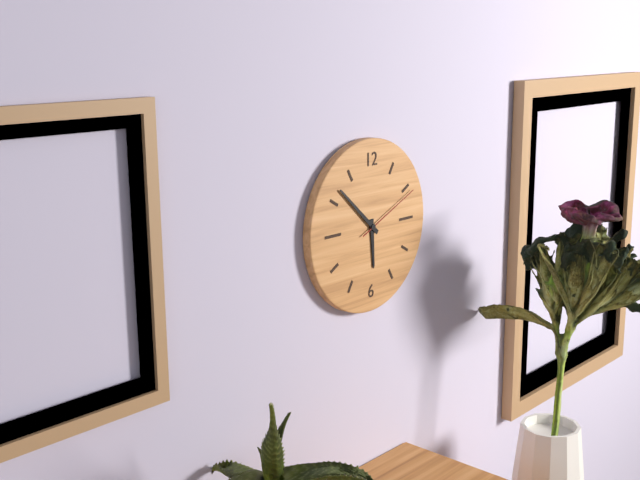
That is h=5 m=52 s=11
